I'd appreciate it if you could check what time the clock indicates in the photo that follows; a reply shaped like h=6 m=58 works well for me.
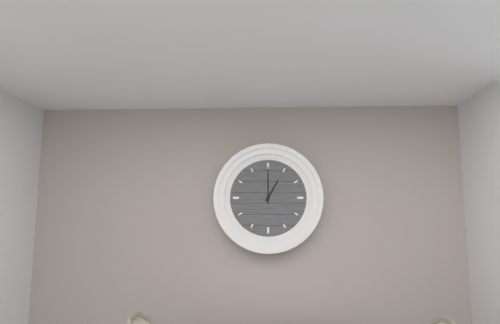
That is h=1 m=0
